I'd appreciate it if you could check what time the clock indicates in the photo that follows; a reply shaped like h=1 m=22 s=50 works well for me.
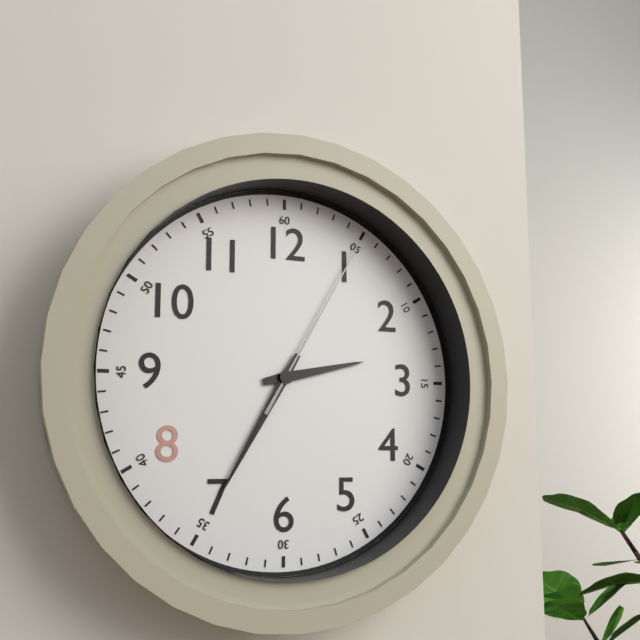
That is h=2 m=35 s=5
